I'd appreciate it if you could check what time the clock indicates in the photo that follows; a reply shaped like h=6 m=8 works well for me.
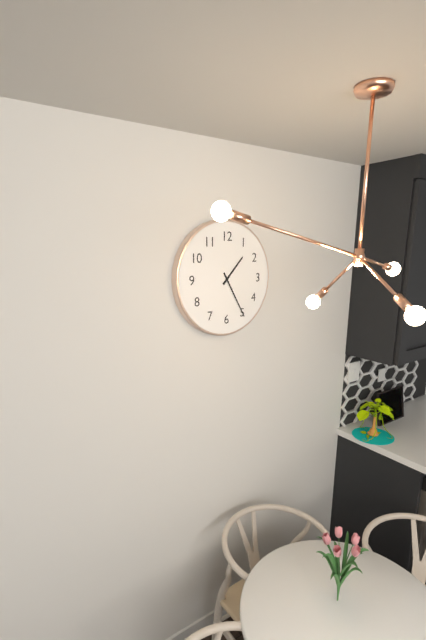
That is h=1 m=25
